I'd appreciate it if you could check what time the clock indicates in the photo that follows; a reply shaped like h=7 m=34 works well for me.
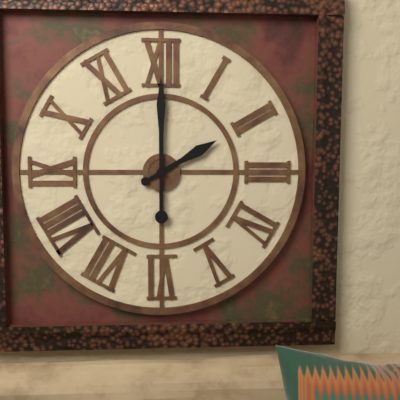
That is h=2 m=0
